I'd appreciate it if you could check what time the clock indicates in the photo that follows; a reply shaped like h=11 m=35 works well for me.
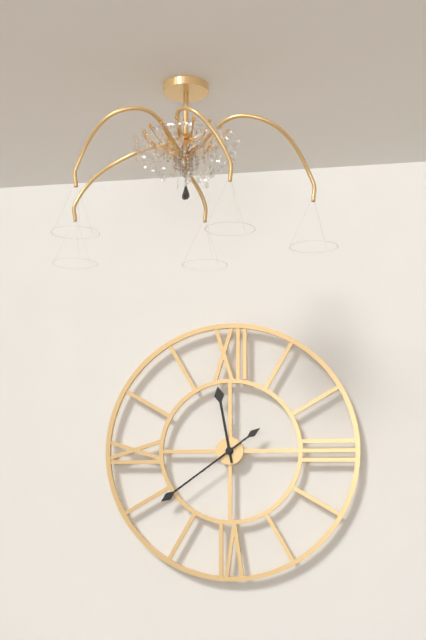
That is h=11 m=39
